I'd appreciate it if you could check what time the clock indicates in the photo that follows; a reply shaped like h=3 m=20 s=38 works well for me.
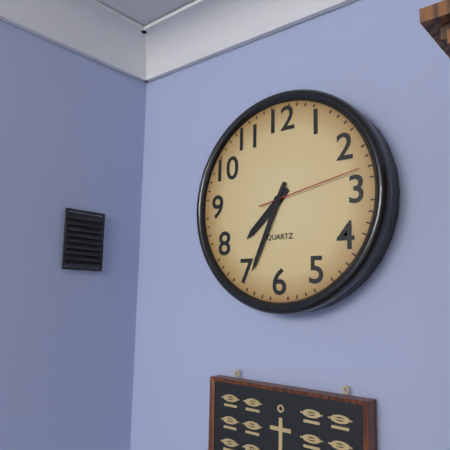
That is h=7 m=34 s=13
